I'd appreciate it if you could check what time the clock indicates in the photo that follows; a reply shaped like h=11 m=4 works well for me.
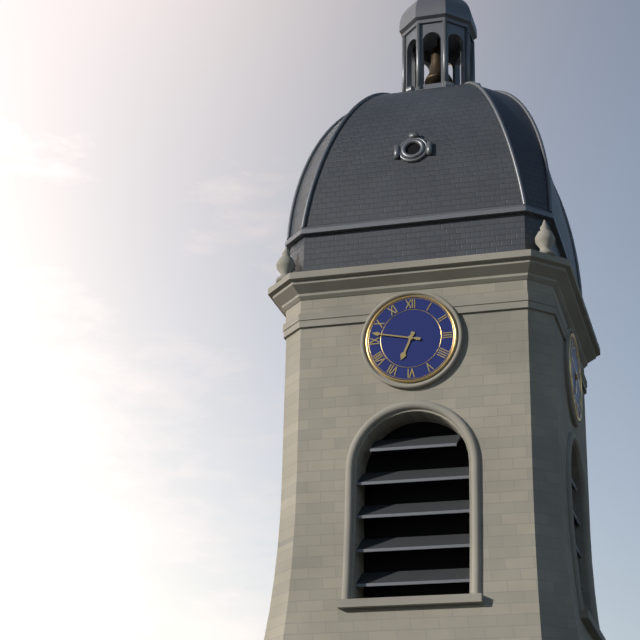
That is h=6 m=47
